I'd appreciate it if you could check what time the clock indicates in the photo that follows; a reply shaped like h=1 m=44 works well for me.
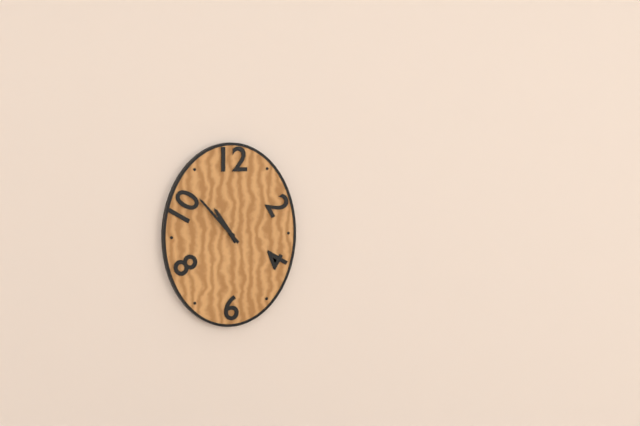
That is h=10 m=53
